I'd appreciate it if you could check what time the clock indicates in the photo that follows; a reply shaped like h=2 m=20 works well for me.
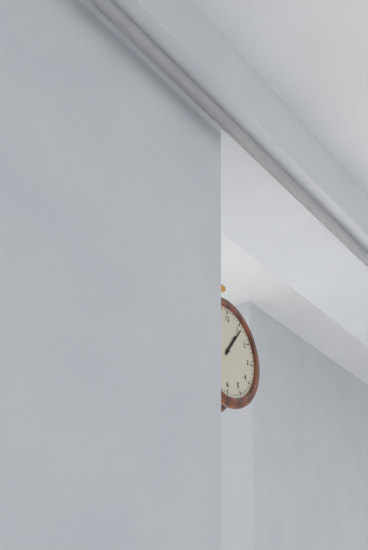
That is h=1 m=6
